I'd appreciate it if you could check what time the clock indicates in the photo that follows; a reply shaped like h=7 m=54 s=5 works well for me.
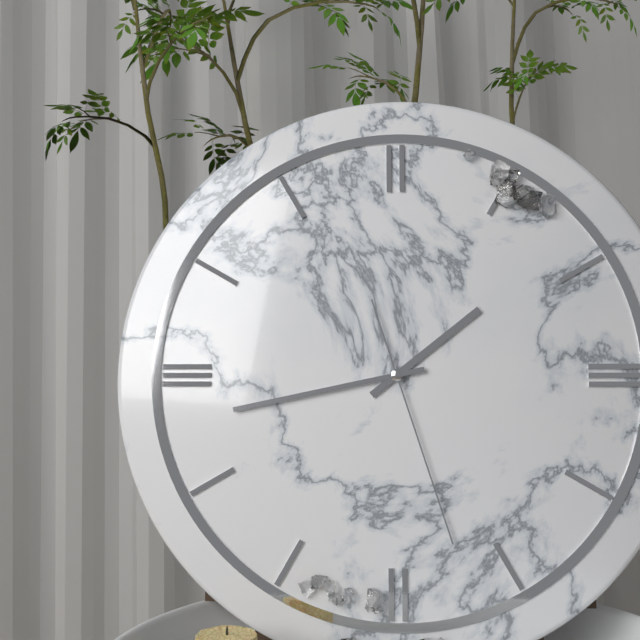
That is h=1 m=43 s=27
